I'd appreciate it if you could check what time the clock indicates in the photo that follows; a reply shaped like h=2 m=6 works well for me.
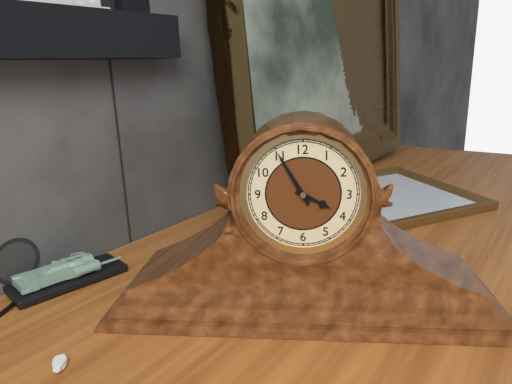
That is h=3 m=55
